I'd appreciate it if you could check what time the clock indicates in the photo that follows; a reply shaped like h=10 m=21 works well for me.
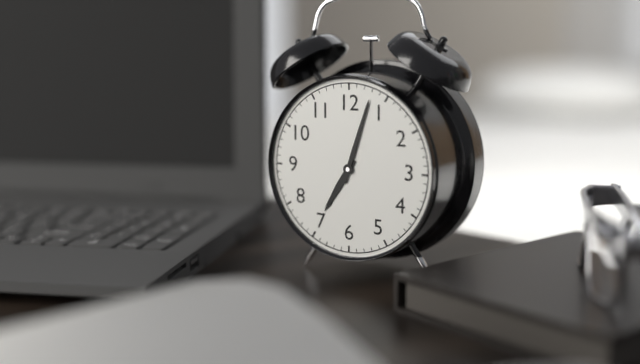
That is h=7 m=3
